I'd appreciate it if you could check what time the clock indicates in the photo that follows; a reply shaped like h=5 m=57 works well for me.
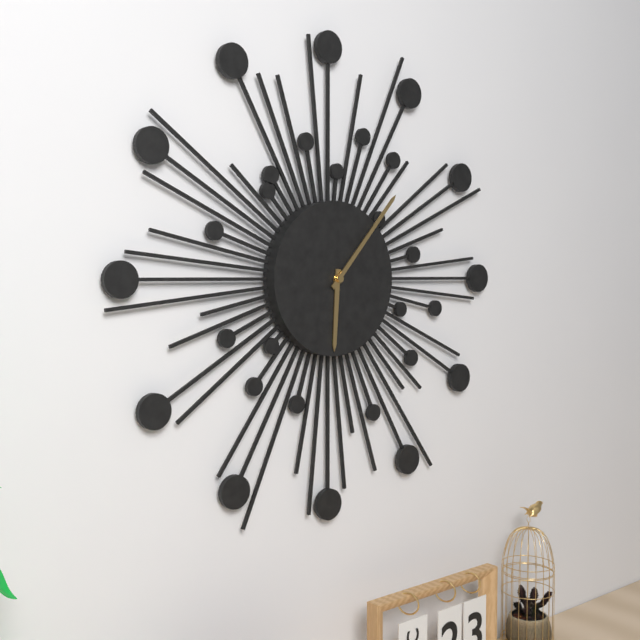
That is h=6 m=7
